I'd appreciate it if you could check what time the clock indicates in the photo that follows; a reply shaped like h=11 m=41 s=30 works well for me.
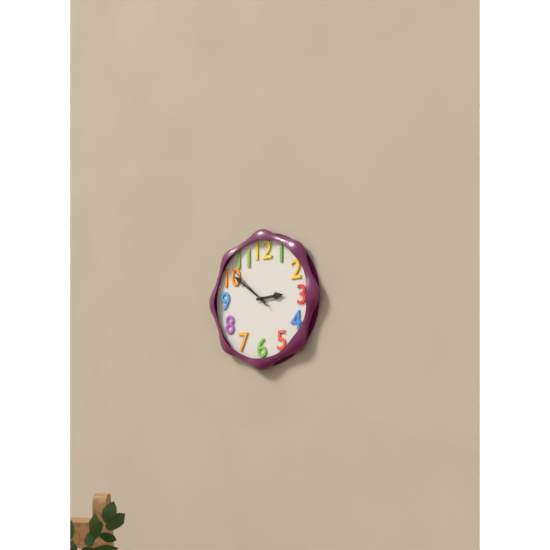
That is h=2 m=51 s=52
